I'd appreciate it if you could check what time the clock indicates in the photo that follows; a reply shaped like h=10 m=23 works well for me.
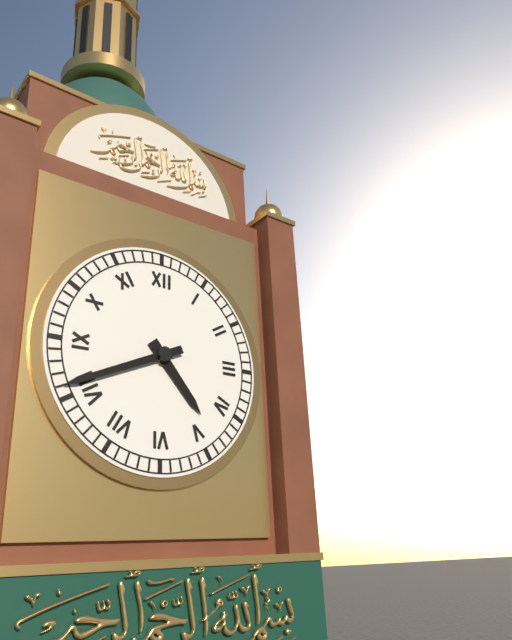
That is h=4 m=41
